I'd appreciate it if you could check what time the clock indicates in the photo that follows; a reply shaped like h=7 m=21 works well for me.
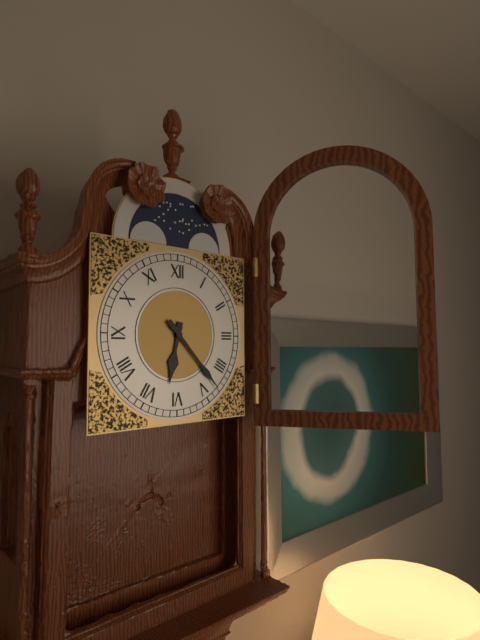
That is h=6 m=23
